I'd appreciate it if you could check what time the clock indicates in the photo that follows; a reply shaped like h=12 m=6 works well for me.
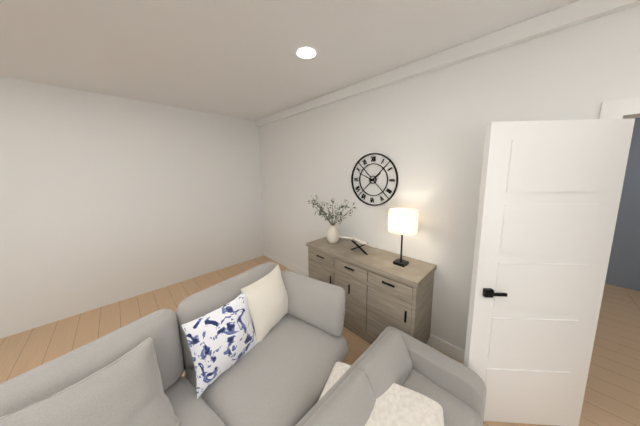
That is h=1 m=49
